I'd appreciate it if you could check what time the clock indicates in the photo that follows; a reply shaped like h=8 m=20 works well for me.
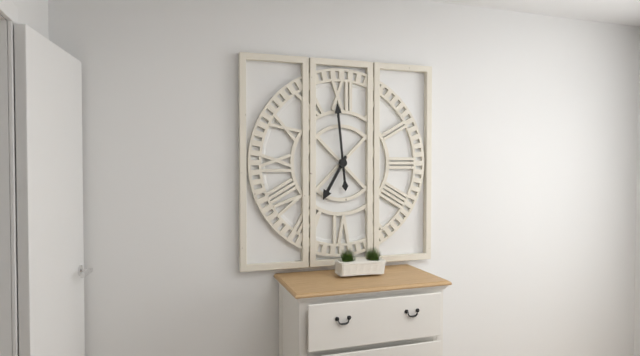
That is h=6 m=59
